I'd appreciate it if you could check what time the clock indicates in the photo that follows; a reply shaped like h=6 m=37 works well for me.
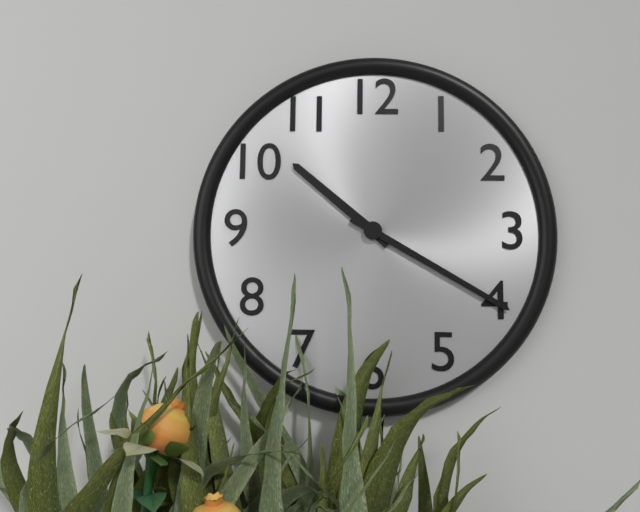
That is h=10 m=20
